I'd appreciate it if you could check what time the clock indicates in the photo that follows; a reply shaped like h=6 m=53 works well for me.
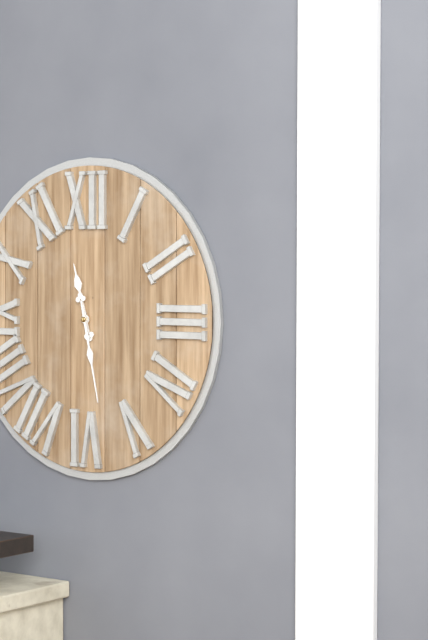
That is h=11 m=28
